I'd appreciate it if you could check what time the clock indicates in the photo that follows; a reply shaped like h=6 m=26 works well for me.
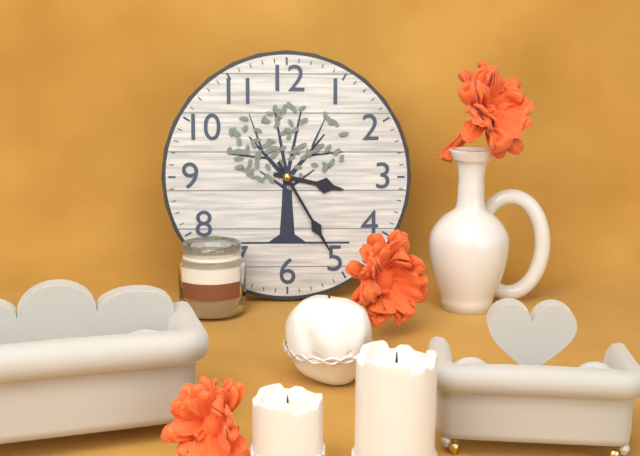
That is h=3 m=25
